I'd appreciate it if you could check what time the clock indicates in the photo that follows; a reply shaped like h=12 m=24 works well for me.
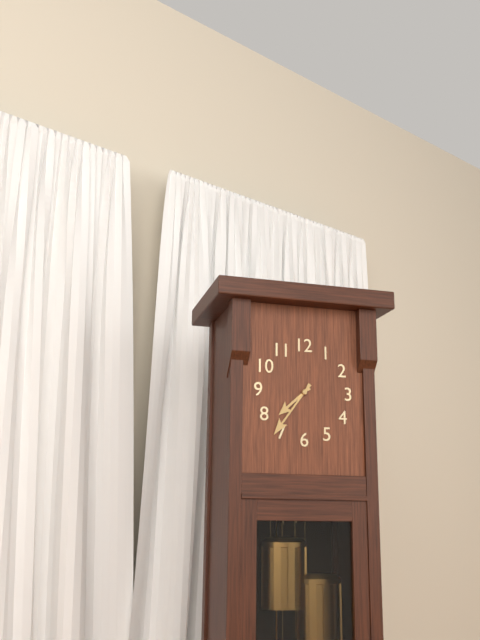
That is h=7 m=36
